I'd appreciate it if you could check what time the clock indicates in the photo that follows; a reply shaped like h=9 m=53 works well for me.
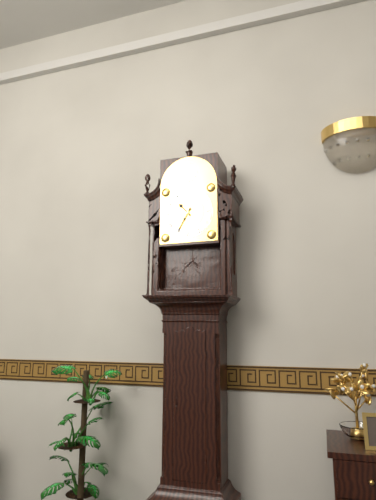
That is h=10 m=35
